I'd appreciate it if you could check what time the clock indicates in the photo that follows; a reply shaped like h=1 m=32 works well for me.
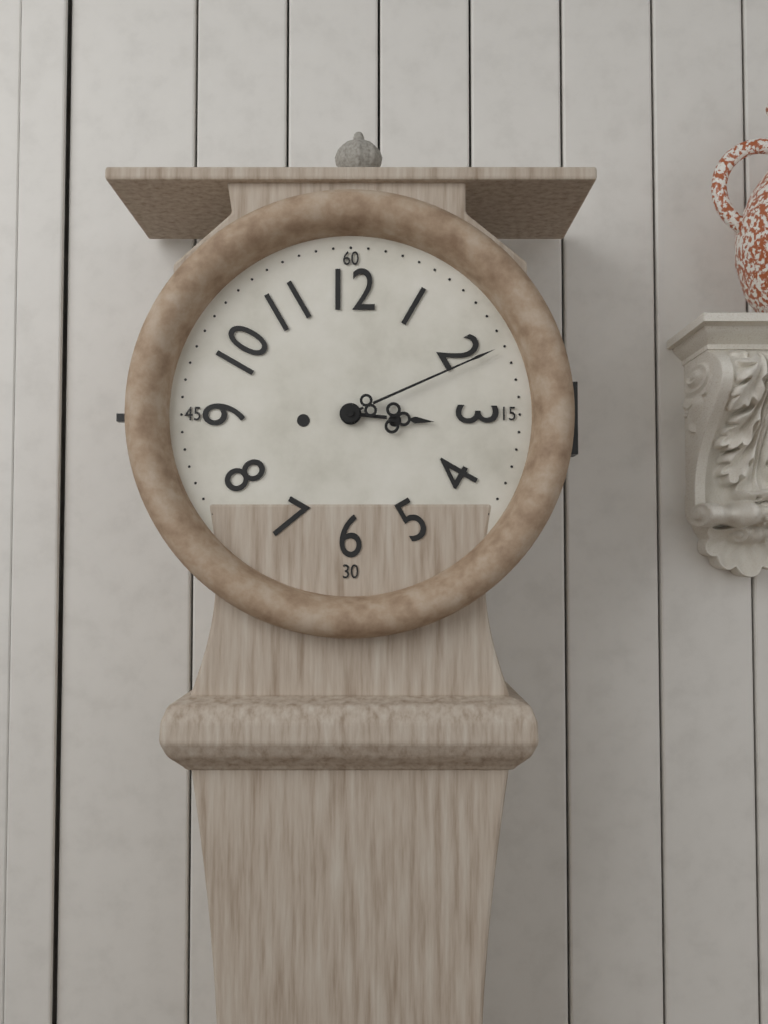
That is h=3 m=11
